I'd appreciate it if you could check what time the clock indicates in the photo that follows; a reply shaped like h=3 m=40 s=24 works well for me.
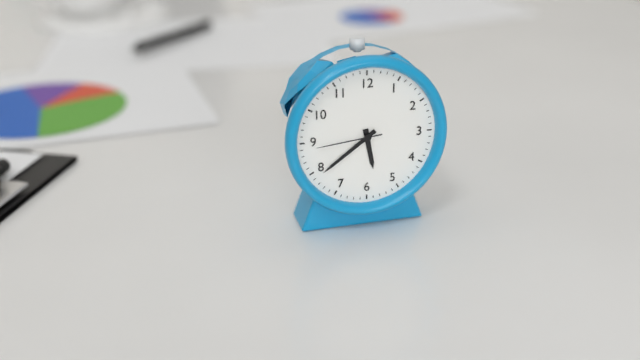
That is h=5 m=39 s=44
